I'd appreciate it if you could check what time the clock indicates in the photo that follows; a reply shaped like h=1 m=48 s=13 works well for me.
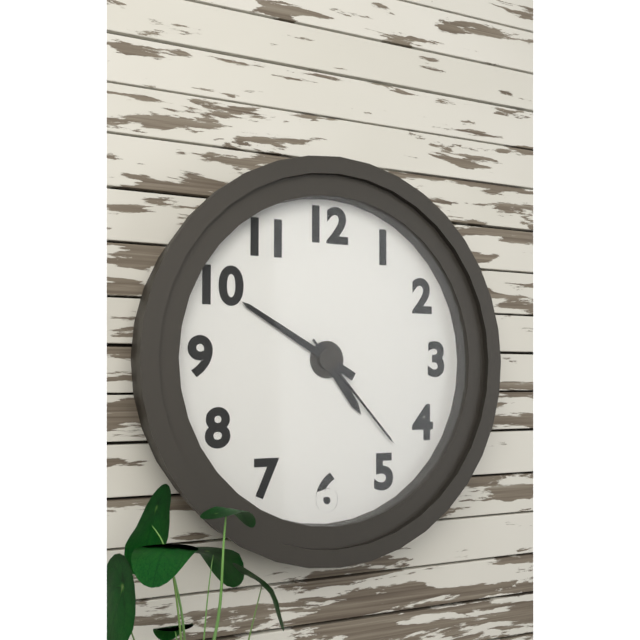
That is h=4 m=50 s=23
